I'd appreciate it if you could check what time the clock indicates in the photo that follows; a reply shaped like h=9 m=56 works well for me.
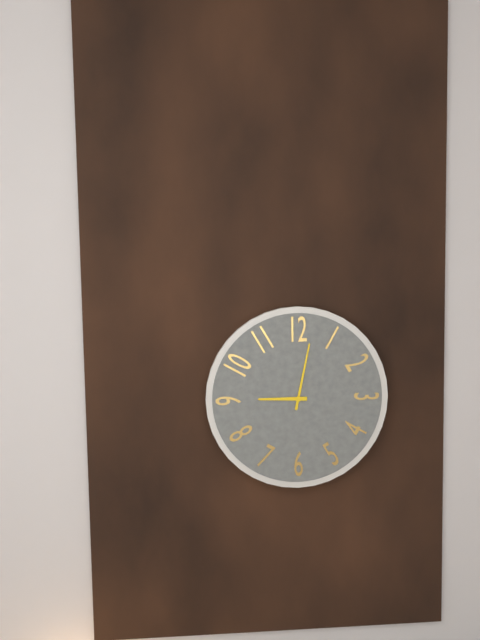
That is h=9 m=2
